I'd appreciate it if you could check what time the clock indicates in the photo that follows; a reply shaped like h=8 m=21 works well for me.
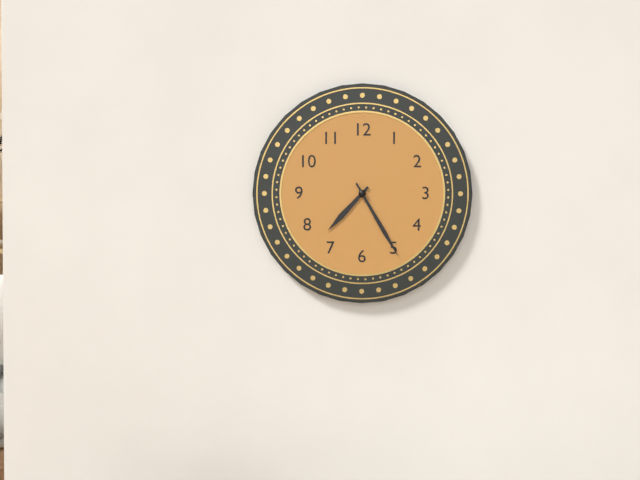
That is h=7 m=25
